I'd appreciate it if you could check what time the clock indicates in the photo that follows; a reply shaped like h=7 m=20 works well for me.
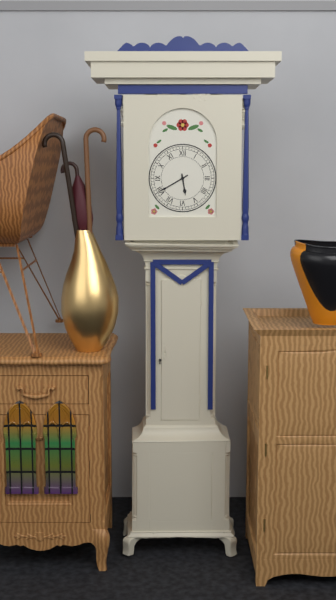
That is h=5 m=40
